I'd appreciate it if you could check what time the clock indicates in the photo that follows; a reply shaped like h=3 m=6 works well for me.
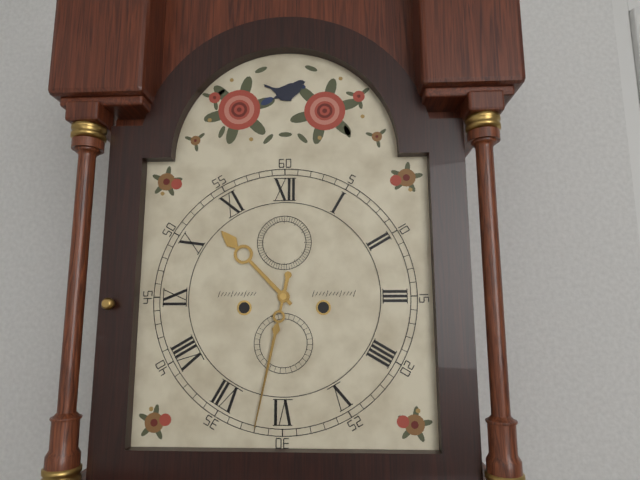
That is h=10 m=32
